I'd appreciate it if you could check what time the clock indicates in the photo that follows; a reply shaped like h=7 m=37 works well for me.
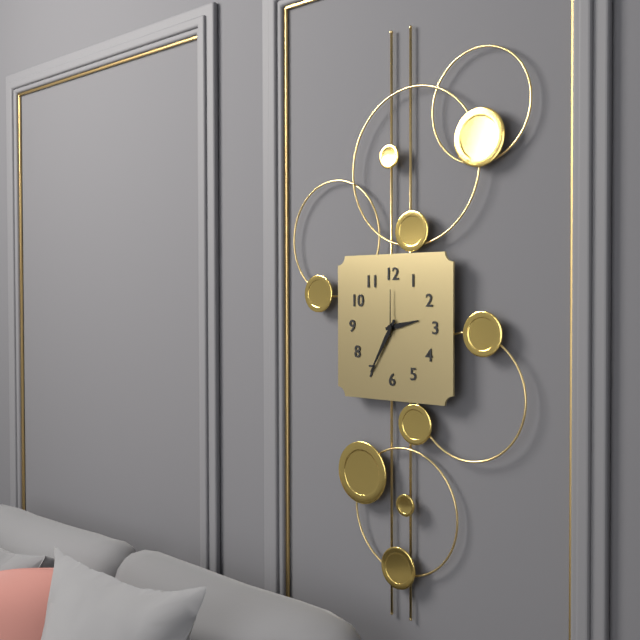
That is h=2 m=35
